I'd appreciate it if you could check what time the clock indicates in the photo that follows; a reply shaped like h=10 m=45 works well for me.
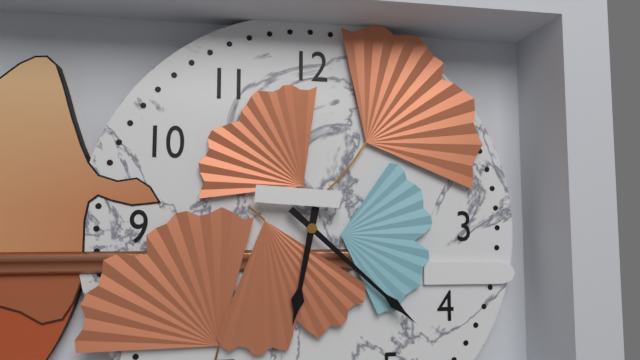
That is h=6 m=22
